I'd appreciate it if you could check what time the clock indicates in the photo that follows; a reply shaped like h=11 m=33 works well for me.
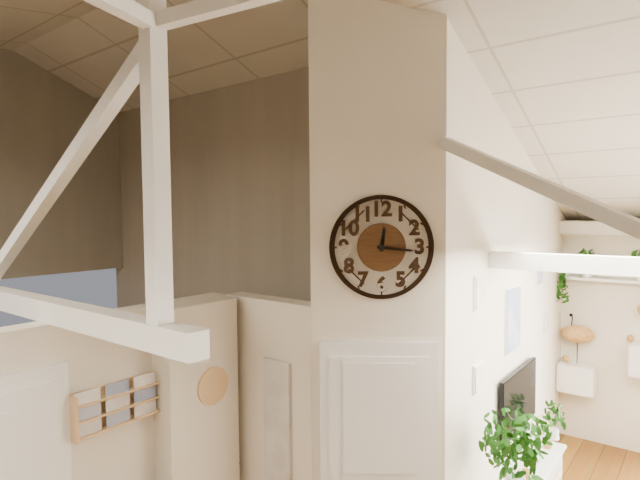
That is h=12 m=16
